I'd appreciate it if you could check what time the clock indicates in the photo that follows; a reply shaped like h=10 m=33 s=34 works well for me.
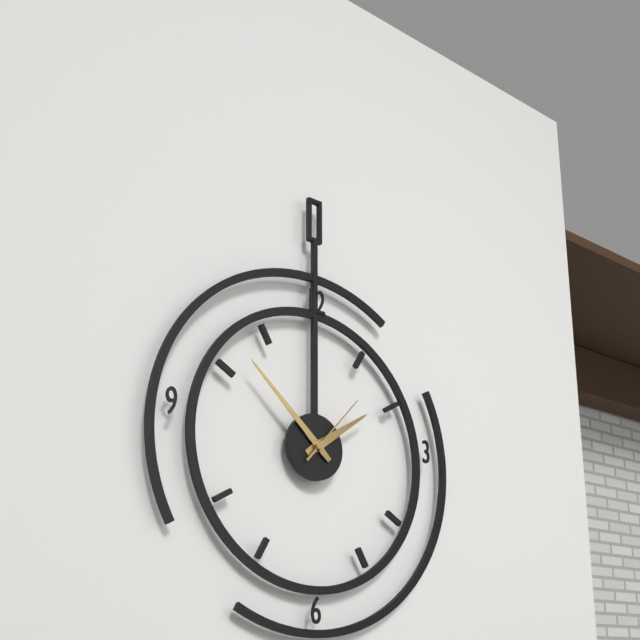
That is h=1 m=52 s=7
